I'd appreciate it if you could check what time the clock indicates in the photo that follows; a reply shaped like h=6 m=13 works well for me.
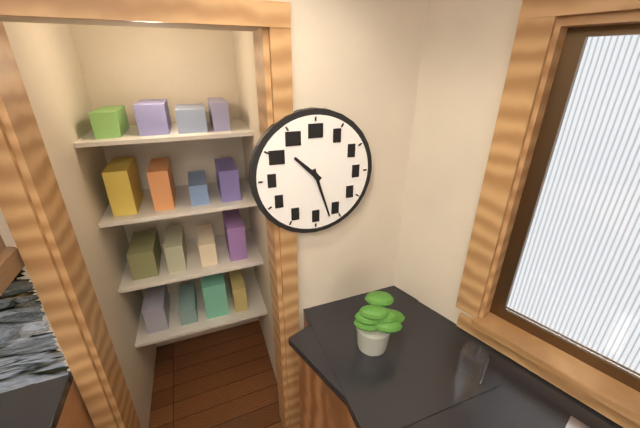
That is h=10 m=27
